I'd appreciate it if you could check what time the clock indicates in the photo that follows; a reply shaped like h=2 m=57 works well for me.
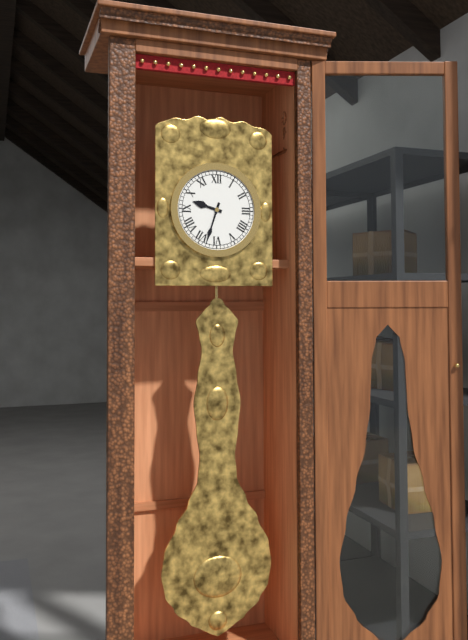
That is h=9 m=33
